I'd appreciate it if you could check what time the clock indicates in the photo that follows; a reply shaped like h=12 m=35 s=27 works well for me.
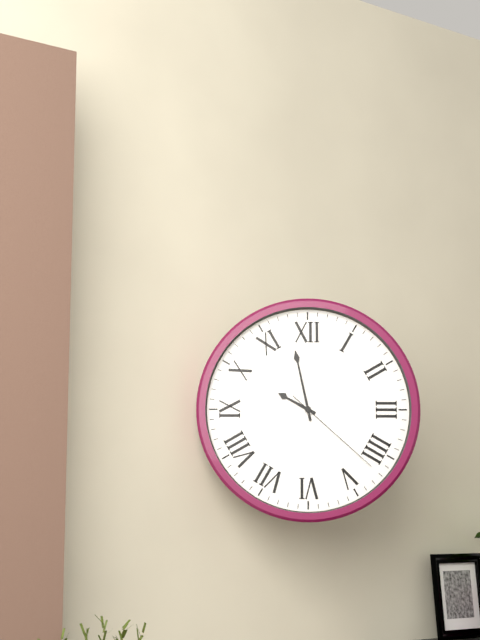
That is h=9 m=58 s=22
